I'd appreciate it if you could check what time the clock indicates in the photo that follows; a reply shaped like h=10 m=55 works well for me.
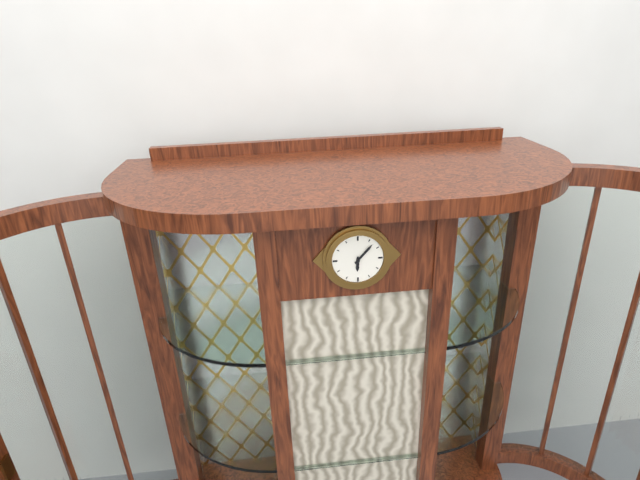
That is h=6 m=7
